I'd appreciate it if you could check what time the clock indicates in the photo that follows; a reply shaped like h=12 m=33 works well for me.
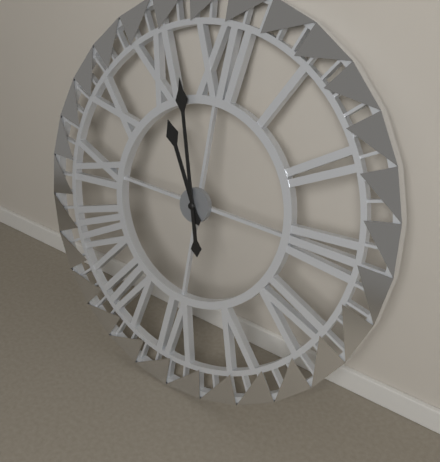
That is h=10 m=57
